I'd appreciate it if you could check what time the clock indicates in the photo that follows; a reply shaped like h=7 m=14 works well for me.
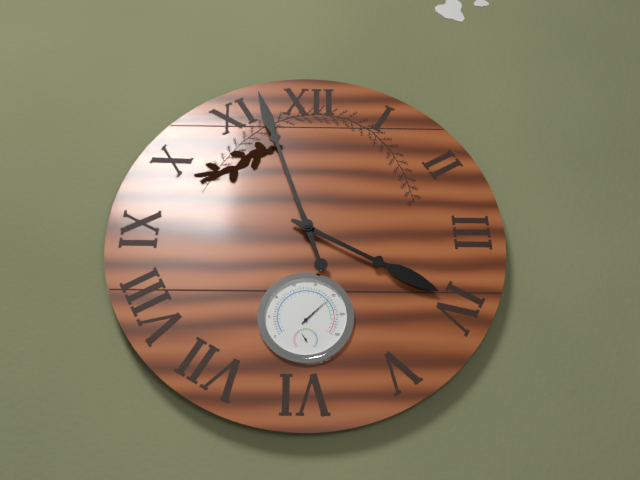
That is h=3 m=57
